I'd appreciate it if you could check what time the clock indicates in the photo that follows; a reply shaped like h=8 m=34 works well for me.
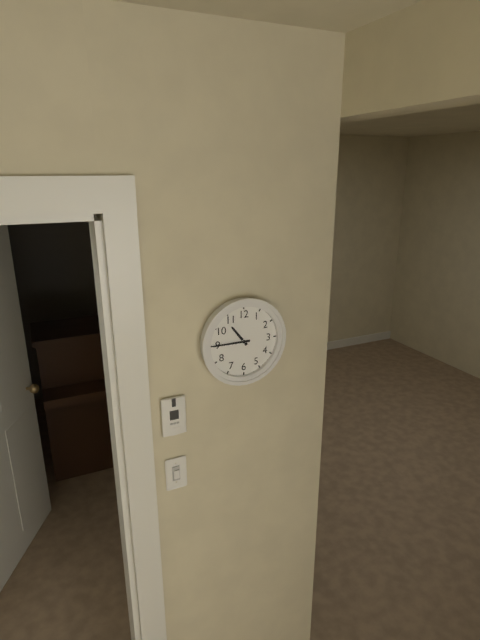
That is h=10 m=45
